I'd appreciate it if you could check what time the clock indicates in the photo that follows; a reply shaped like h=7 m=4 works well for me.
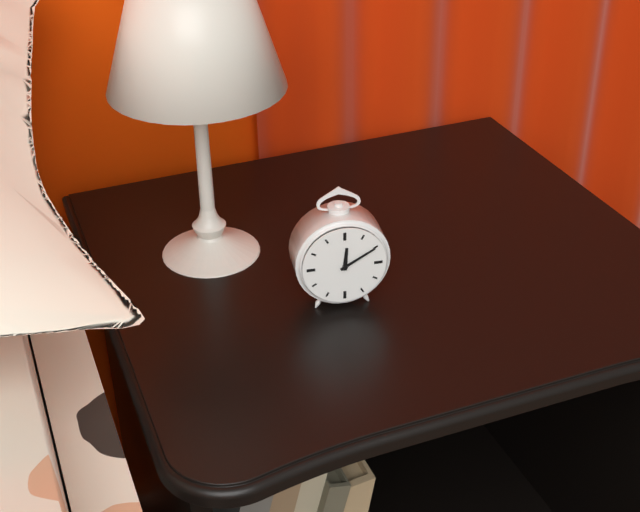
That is h=12 m=10
